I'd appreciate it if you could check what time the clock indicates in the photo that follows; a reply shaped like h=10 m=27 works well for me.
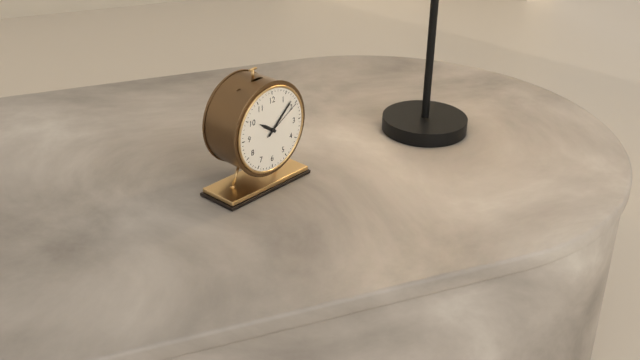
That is h=10 m=8
